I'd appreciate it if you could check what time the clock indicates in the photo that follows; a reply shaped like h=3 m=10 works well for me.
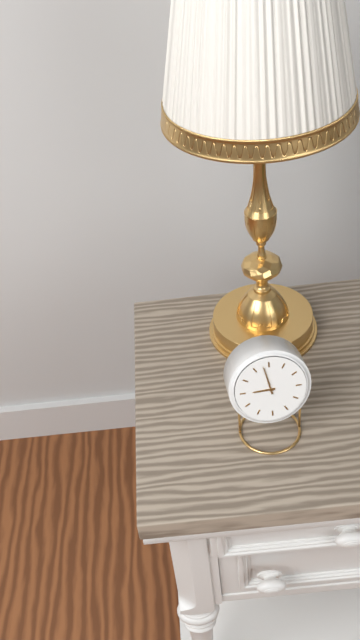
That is h=8 m=58
